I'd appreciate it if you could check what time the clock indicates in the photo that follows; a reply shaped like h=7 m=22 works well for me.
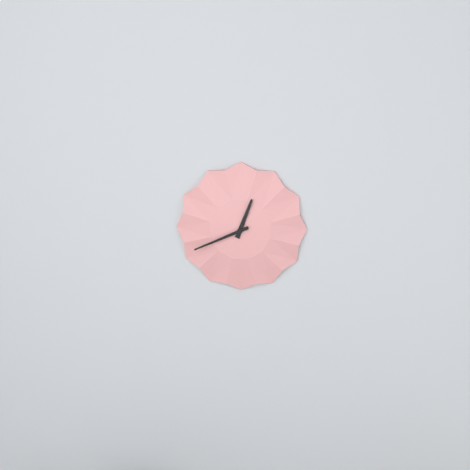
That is h=12 m=41
